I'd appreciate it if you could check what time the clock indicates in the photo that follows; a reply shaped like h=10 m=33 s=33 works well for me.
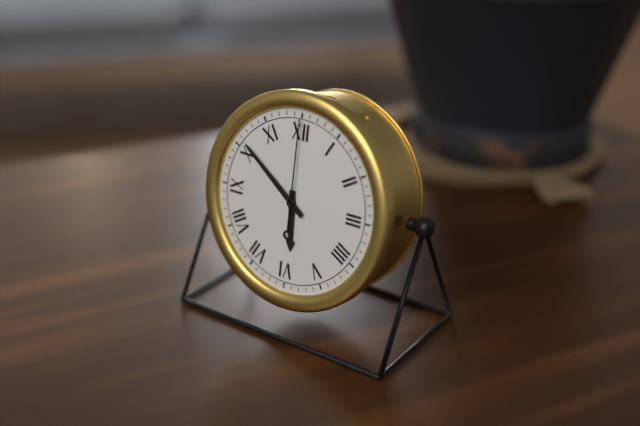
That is h=5 m=51 s=0
